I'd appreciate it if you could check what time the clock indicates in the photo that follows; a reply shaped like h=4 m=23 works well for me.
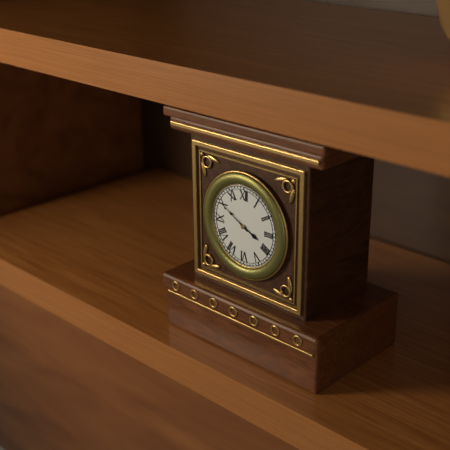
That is h=3 m=50
